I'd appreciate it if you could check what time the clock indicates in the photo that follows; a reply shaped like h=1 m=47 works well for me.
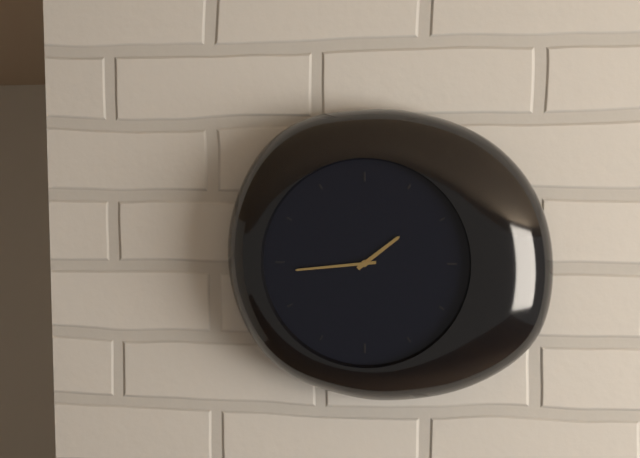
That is h=1 m=44
